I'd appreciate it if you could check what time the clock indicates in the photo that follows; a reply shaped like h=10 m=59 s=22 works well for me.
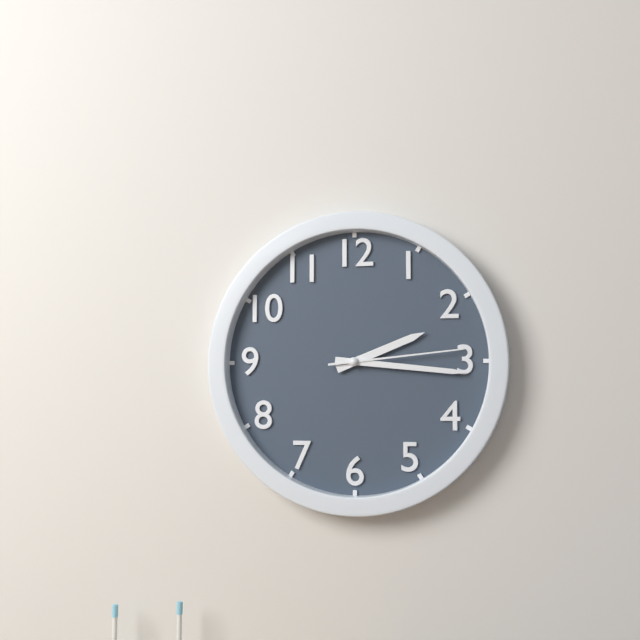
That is h=2 m=16 s=14
